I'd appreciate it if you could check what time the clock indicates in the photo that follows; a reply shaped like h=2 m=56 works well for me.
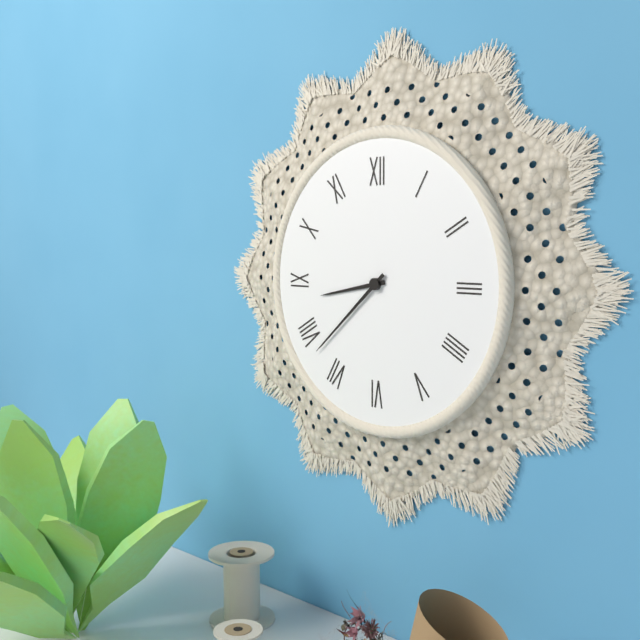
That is h=8 m=38
